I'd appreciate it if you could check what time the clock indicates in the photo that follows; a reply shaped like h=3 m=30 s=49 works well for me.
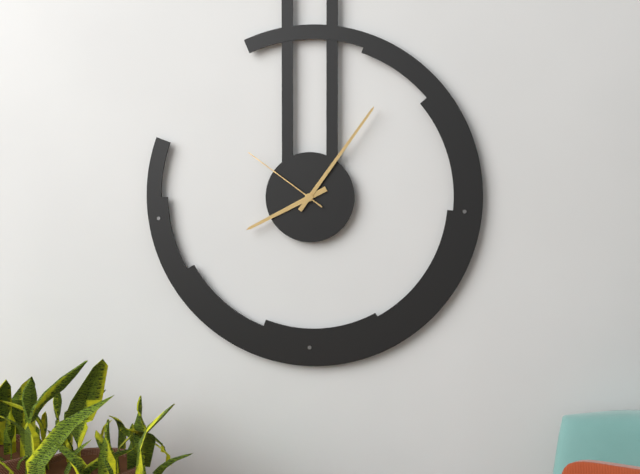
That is h=8 m=6 s=51
